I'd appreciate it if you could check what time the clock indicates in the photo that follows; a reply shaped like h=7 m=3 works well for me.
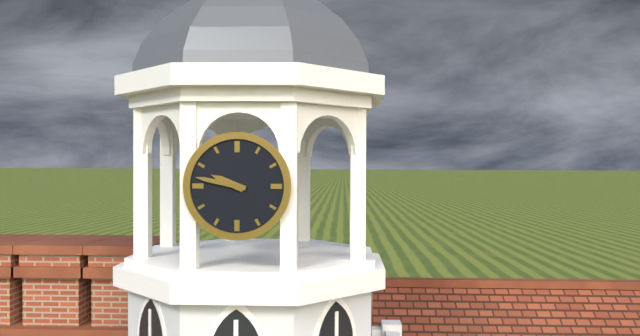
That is h=9 m=47
